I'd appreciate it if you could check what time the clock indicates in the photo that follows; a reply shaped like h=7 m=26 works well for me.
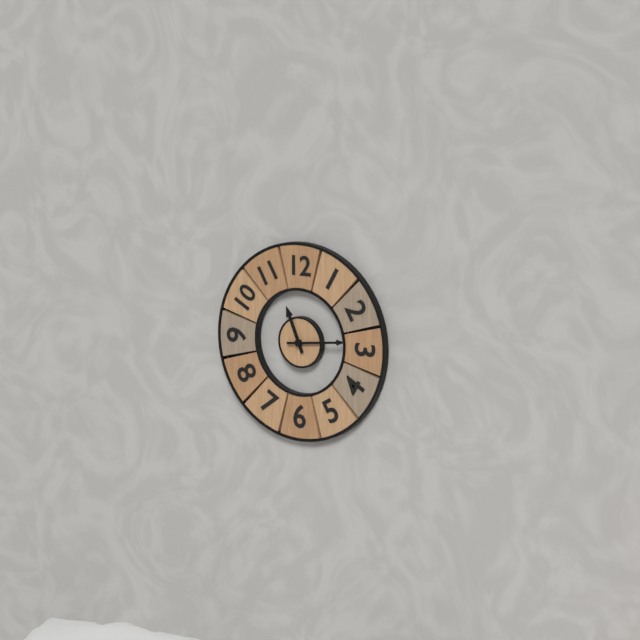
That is h=11 m=14
